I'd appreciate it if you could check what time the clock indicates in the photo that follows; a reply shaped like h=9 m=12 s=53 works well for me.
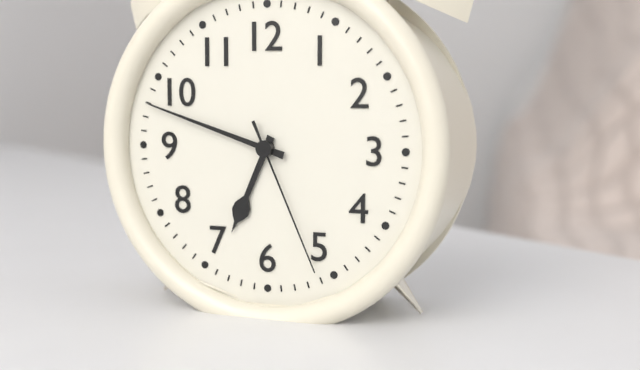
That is h=6 m=48 s=26
